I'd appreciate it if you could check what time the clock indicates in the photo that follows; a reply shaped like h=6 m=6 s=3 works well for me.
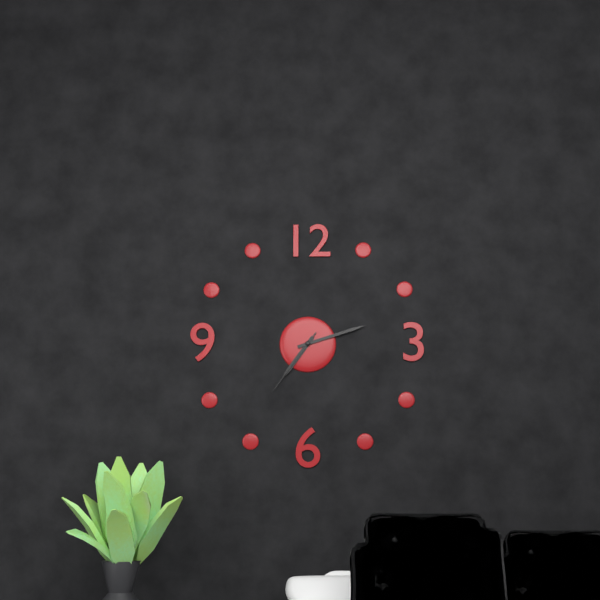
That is h=7 m=12 s=36
